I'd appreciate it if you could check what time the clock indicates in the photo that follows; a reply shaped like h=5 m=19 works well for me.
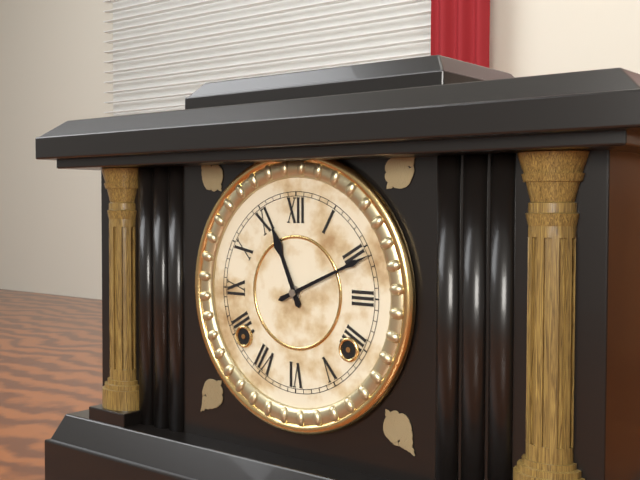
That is h=11 m=11
